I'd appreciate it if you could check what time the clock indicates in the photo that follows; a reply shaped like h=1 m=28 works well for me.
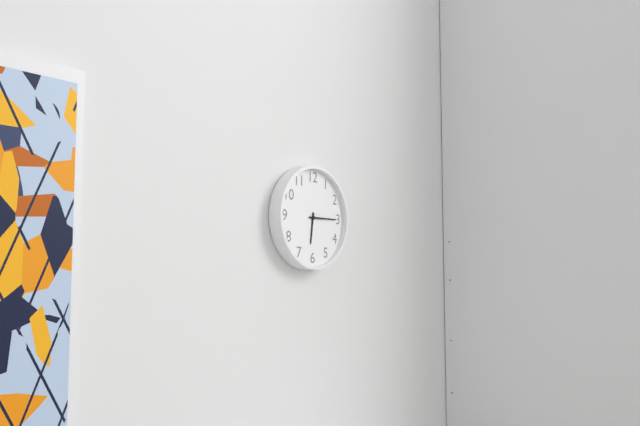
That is h=6 m=15
